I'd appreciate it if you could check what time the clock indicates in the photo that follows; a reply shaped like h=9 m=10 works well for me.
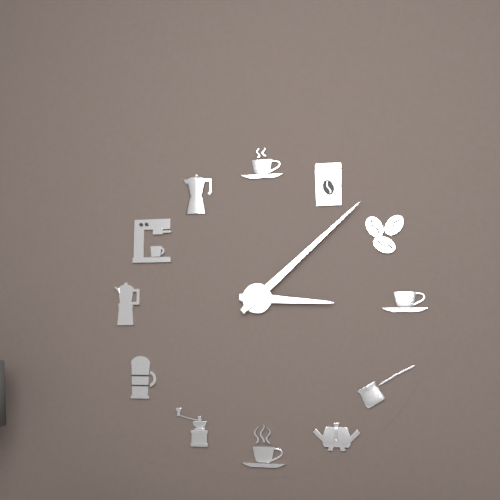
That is h=3 m=8
